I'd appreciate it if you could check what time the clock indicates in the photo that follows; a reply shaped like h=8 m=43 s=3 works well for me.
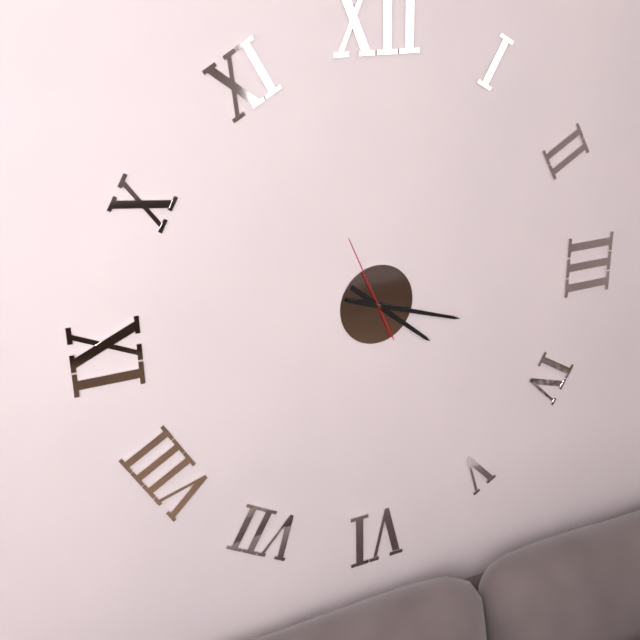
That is h=4 m=18 s=56
